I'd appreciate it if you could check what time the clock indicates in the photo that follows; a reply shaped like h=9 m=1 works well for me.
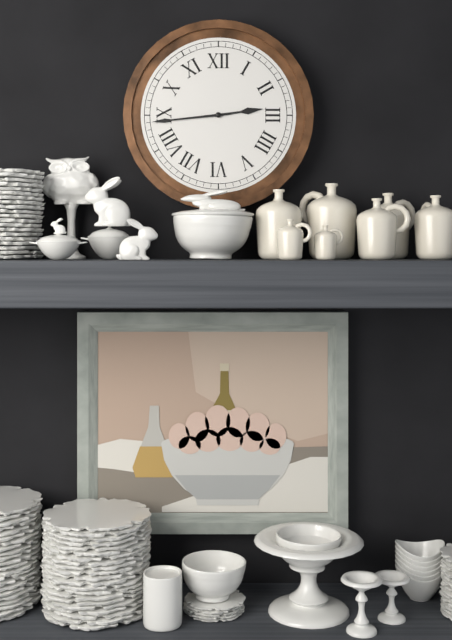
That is h=2 m=44
